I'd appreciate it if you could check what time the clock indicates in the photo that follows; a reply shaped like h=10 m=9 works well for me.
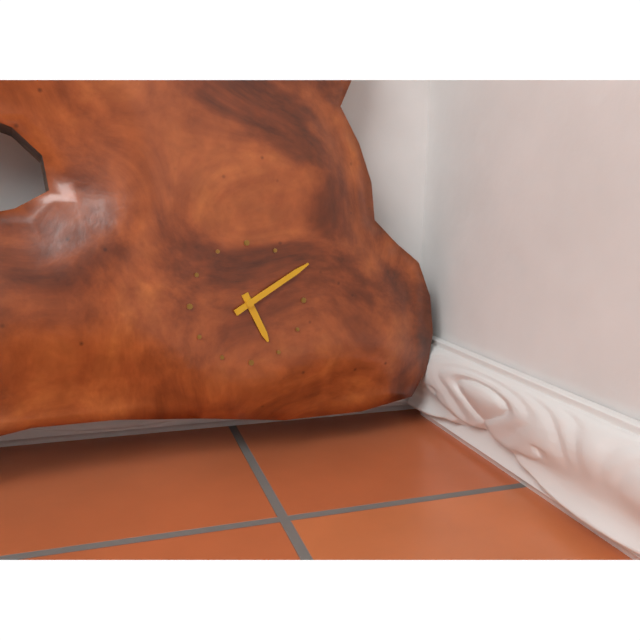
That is h=5 m=10
